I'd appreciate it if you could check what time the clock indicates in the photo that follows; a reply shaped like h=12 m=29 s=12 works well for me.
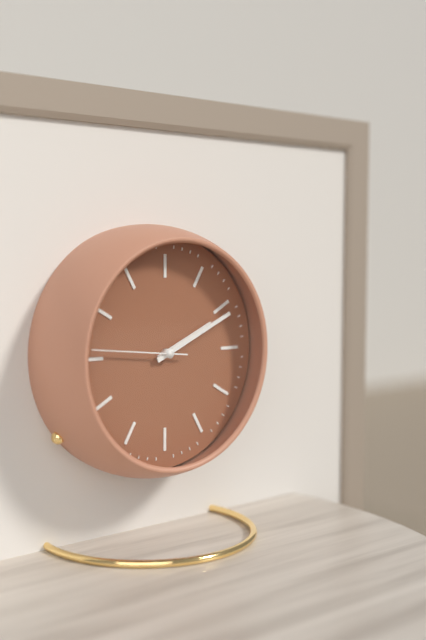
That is h=2 m=11 s=46
